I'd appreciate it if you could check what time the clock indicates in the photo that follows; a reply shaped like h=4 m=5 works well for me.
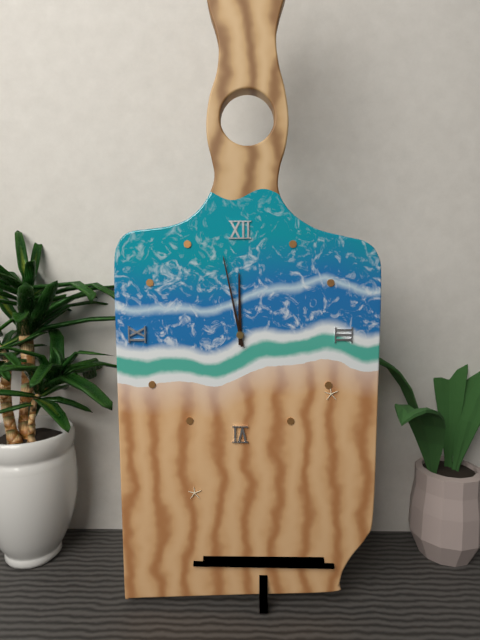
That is h=11 m=58
